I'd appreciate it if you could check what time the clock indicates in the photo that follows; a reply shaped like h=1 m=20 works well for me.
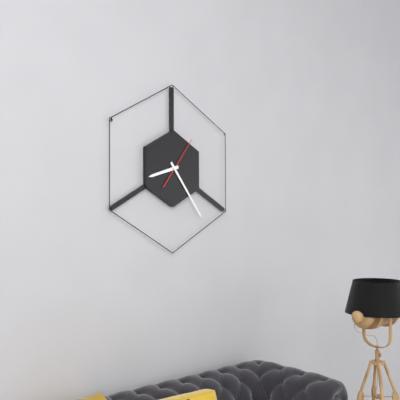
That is h=8 m=24
